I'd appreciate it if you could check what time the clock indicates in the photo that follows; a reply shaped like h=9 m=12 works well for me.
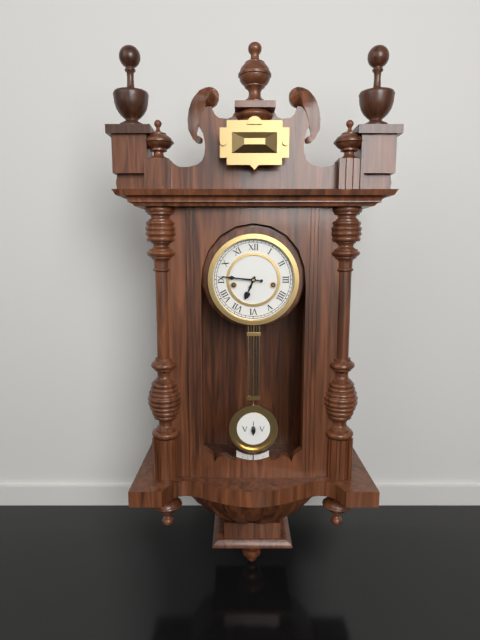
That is h=6 m=46
